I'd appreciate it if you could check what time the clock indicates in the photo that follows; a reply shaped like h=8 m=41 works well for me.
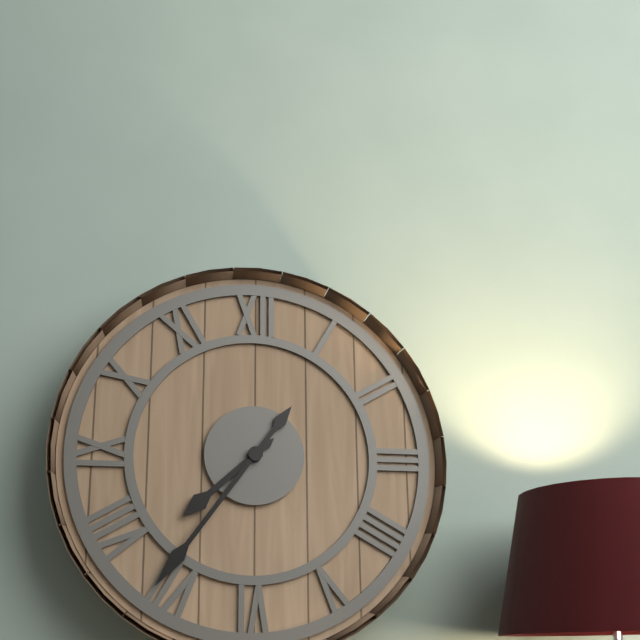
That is h=7 m=36
